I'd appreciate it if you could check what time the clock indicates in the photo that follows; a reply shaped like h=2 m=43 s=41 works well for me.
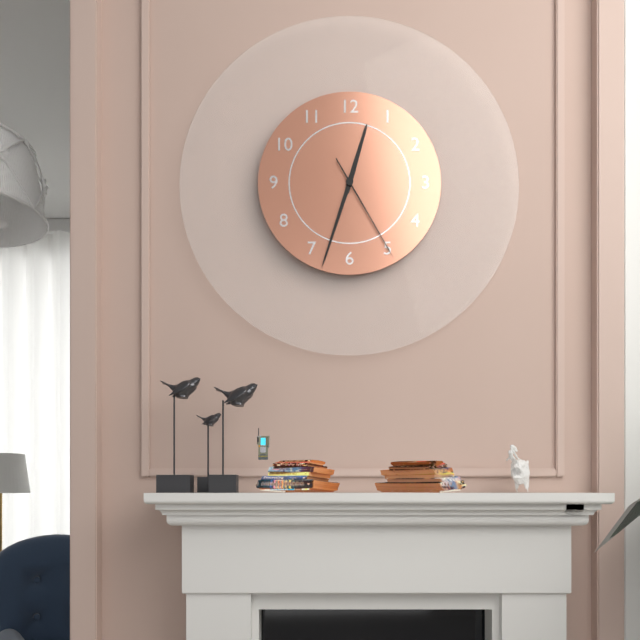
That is h=12 m=33 s=25
